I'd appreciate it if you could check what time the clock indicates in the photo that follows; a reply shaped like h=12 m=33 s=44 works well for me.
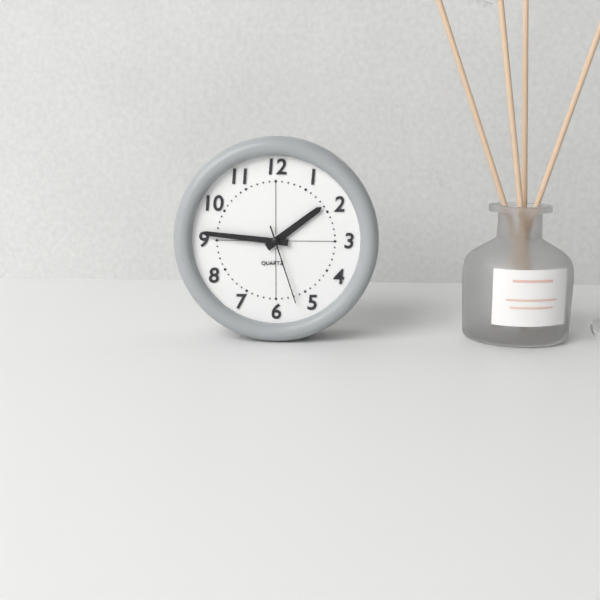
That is h=1 m=46 s=27
